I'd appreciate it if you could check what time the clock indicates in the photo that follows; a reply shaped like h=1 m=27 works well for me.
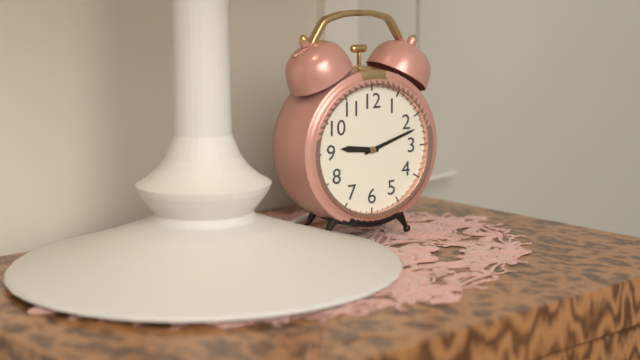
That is h=9 m=12
